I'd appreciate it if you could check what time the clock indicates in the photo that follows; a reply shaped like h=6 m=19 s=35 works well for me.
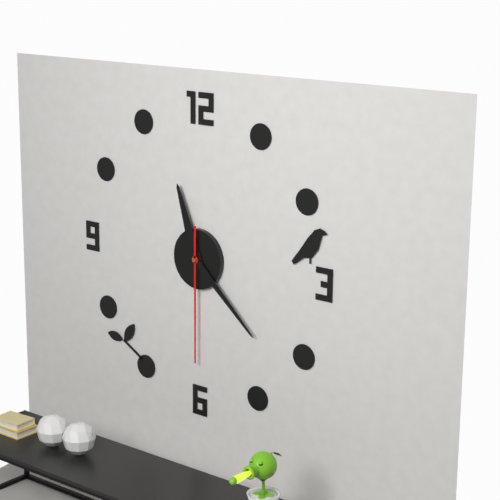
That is h=11 m=22 s=30
